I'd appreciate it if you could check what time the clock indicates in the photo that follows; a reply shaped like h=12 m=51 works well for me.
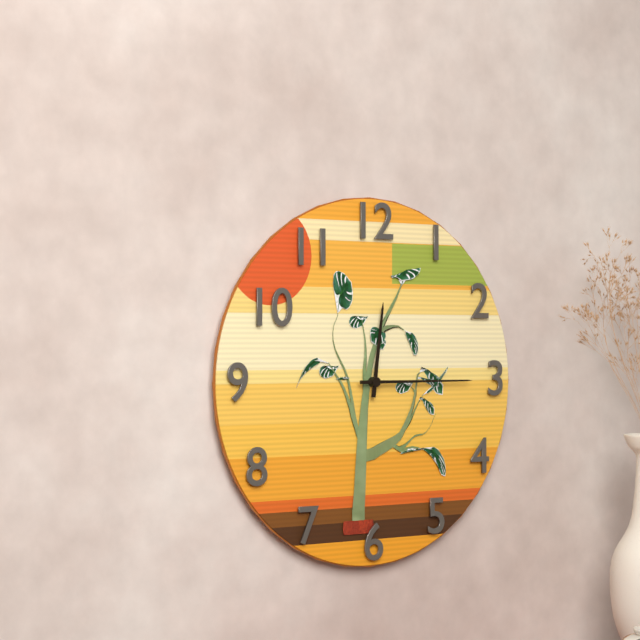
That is h=12 m=15
